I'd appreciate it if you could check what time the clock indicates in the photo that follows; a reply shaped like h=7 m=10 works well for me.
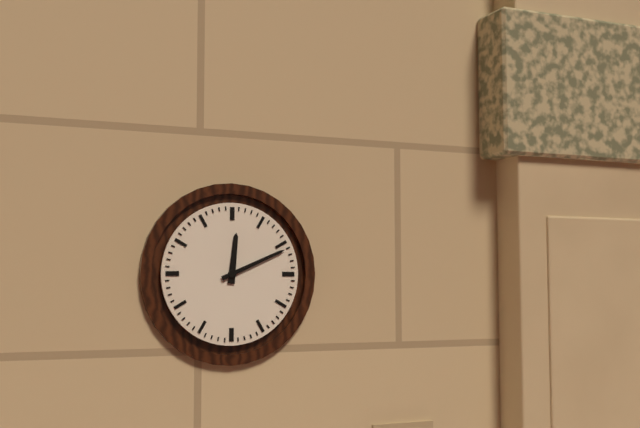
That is h=12 m=11
